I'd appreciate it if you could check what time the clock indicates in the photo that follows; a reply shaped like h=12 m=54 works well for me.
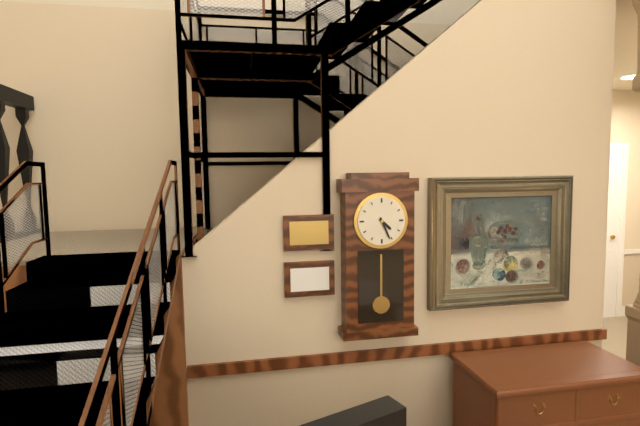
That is h=4 m=26
